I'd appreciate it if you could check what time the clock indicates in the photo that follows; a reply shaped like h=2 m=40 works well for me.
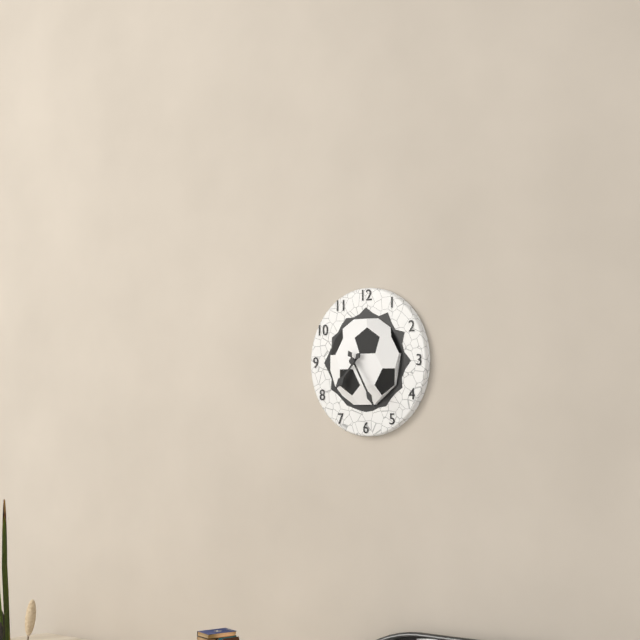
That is h=7 m=25
